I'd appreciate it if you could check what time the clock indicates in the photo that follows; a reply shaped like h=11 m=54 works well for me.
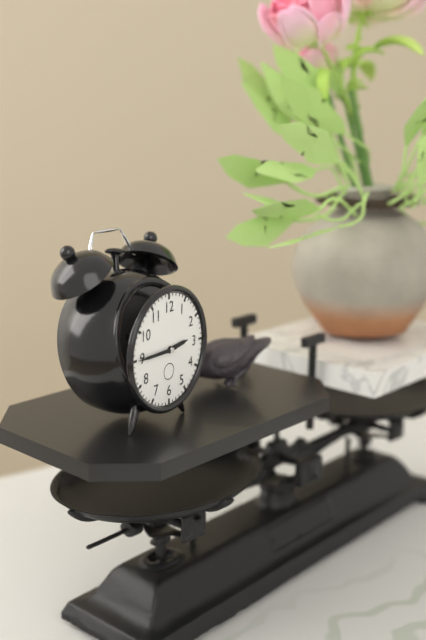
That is h=2 m=45
